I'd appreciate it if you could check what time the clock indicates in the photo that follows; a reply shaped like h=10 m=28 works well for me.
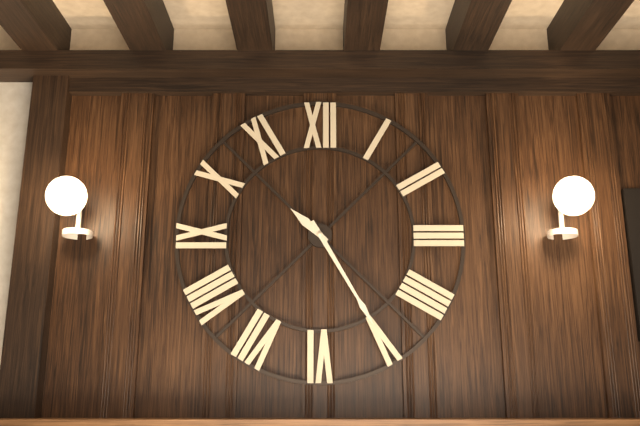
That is h=10 m=25
